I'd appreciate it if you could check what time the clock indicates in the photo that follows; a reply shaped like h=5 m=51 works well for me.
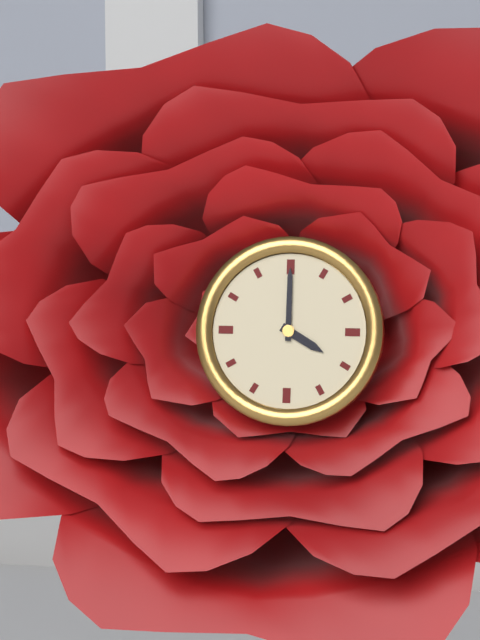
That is h=4 m=0
